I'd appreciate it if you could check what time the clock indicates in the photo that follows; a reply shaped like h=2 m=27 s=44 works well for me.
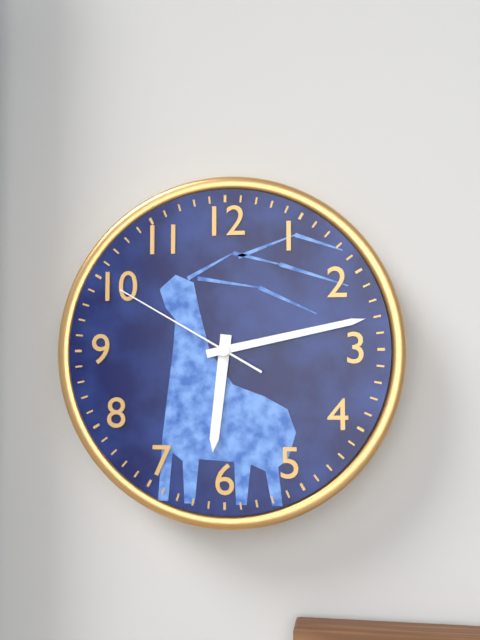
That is h=6 m=13 s=50
